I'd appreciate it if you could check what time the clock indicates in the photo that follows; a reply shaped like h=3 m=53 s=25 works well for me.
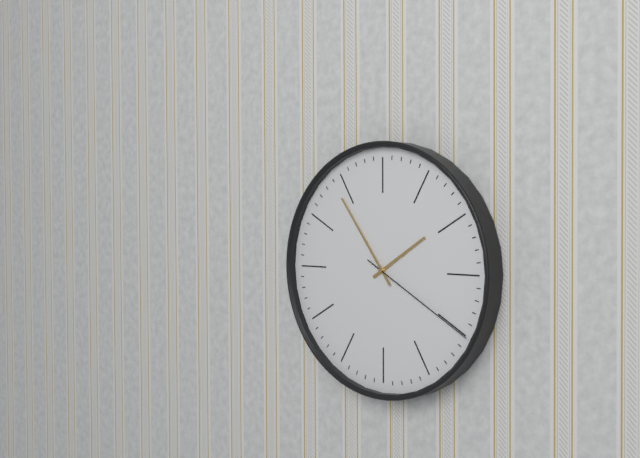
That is h=1 m=54 s=20
